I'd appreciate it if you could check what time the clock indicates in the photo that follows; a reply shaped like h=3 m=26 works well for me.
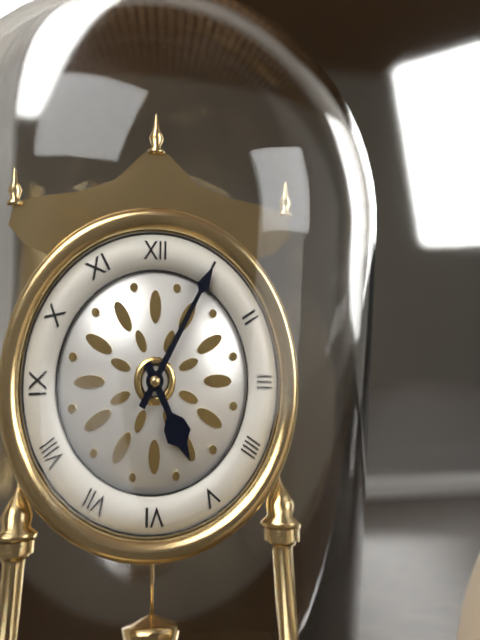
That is h=5 m=5
